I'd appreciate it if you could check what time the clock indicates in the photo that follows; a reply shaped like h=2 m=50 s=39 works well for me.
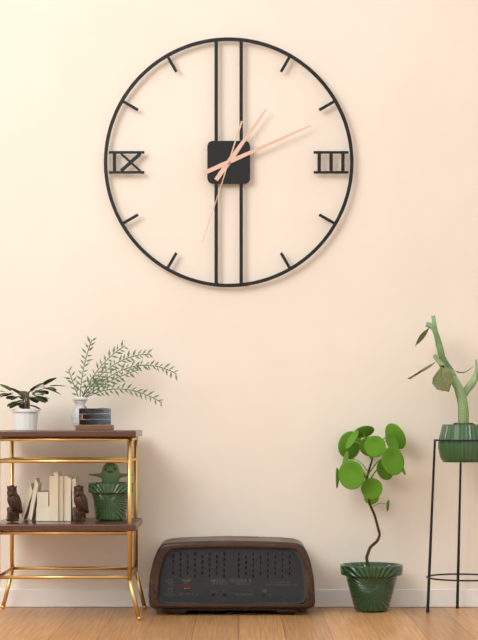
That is h=1 m=11 s=33
